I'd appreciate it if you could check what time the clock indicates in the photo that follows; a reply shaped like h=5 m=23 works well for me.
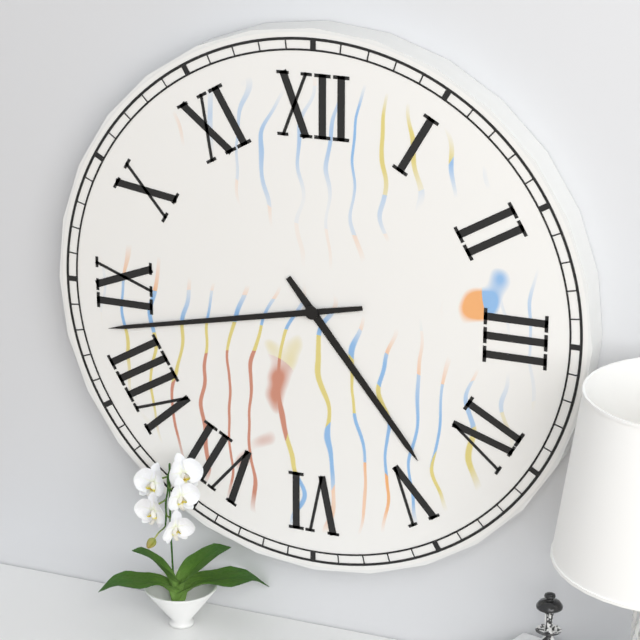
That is h=4 m=43
